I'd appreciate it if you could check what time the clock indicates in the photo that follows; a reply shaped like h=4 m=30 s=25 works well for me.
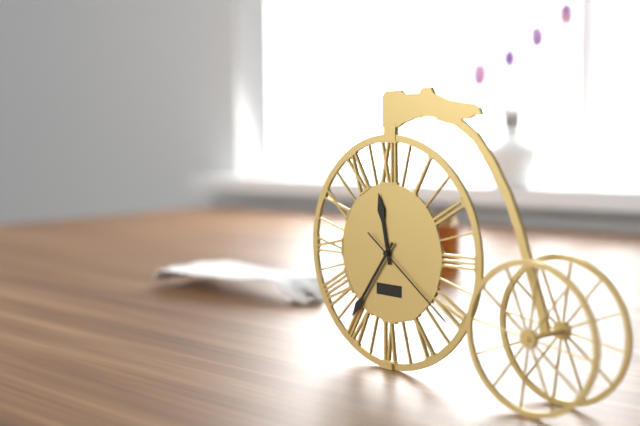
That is h=11 m=36 s=21
